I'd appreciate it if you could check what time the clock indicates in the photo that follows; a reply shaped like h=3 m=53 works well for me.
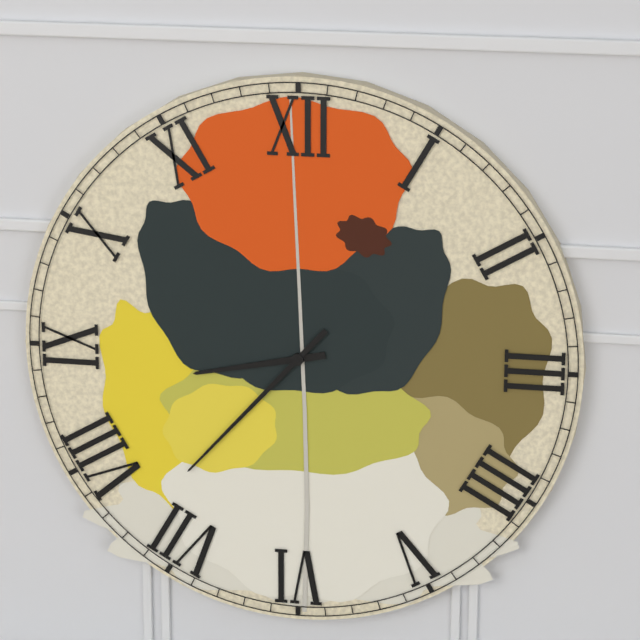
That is h=8 m=37
